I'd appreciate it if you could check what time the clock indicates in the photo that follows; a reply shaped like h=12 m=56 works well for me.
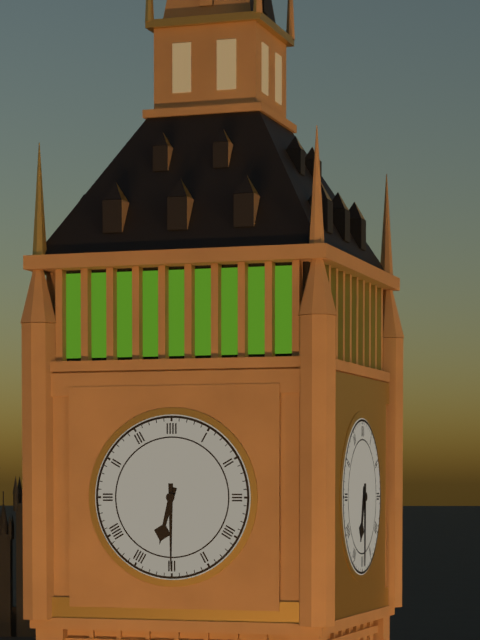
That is h=6 m=30
